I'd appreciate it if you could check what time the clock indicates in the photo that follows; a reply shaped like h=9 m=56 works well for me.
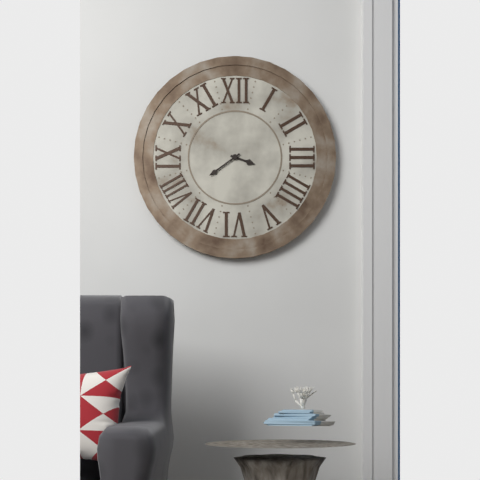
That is h=3 m=39
